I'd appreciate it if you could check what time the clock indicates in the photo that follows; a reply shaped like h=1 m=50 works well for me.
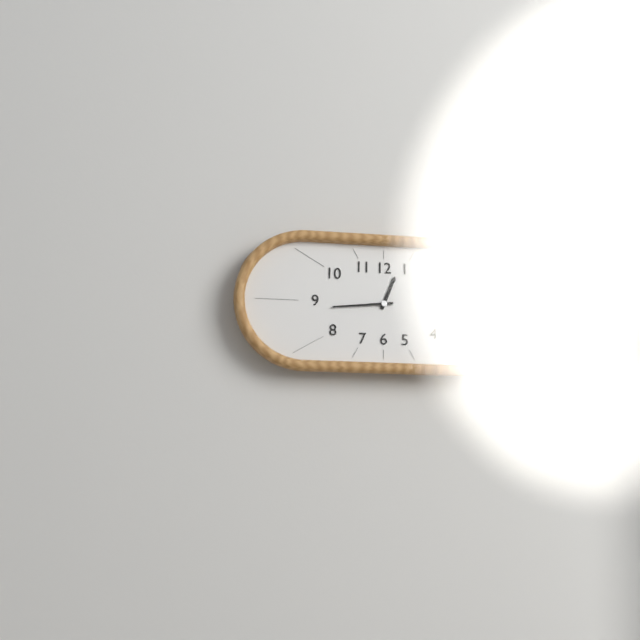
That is h=12 m=44
